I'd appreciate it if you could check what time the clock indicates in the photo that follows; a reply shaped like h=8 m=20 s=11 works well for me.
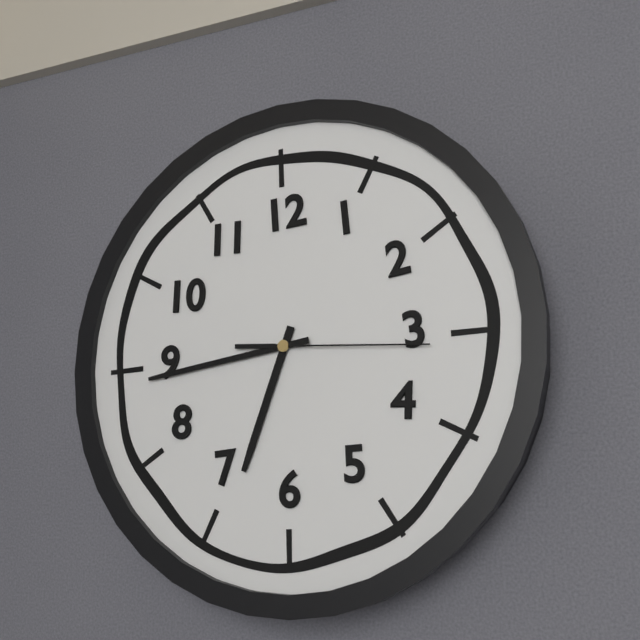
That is h=6 m=44 s=16
